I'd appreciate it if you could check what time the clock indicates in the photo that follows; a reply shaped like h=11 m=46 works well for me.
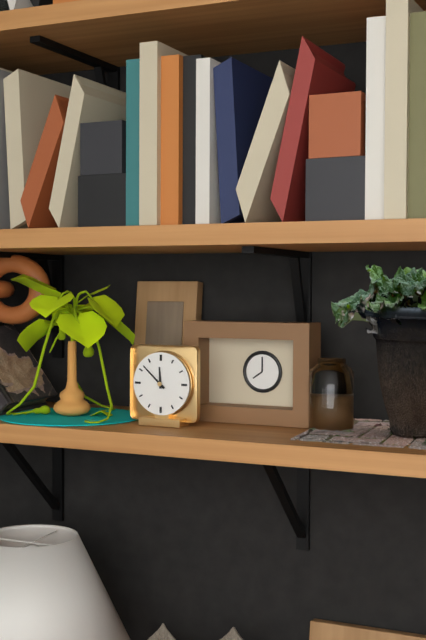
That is h=11 m=52
